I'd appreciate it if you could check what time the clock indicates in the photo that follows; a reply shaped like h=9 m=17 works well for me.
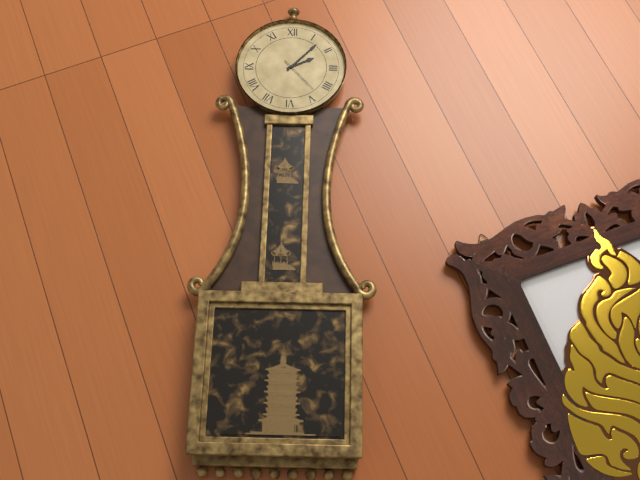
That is h=2 m=7
